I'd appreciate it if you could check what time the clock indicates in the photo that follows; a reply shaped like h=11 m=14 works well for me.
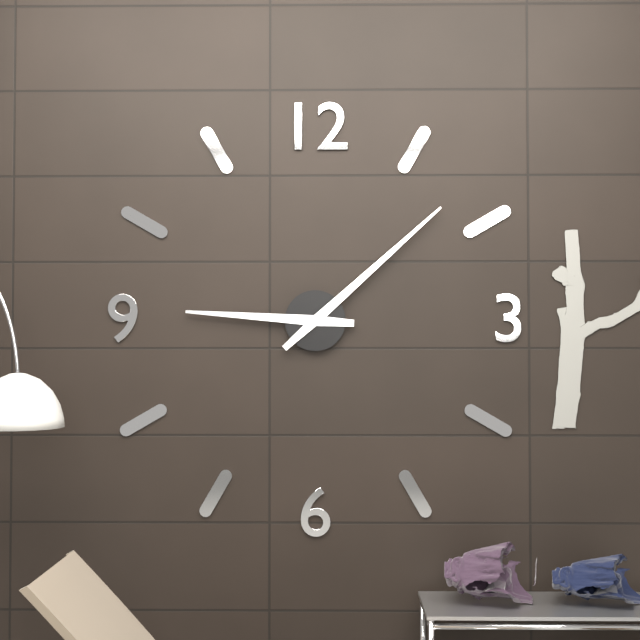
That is h=9 m=8
